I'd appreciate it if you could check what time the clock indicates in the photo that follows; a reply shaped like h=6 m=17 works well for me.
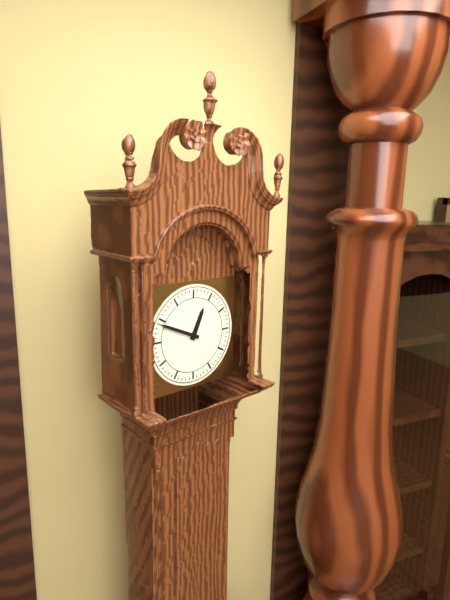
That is h=12 m=49
